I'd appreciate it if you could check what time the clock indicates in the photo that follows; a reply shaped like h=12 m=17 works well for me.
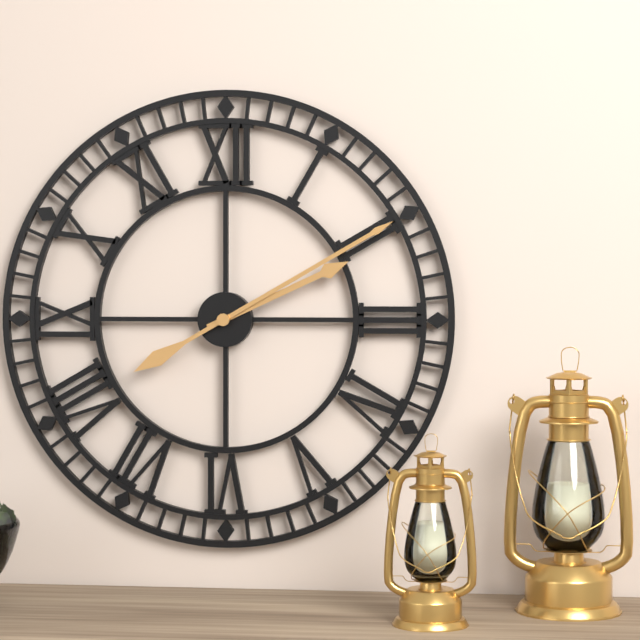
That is h=2 m=10
